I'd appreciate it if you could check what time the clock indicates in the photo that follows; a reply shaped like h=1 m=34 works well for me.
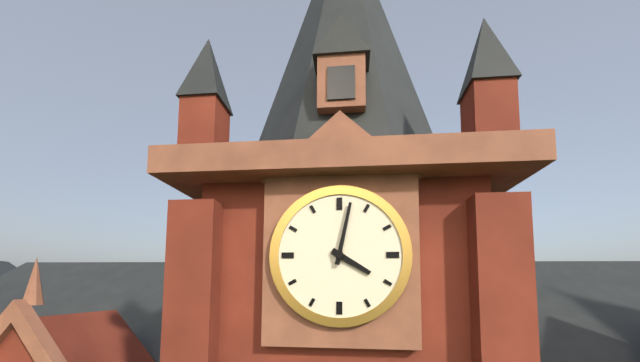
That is h=4 m=2
